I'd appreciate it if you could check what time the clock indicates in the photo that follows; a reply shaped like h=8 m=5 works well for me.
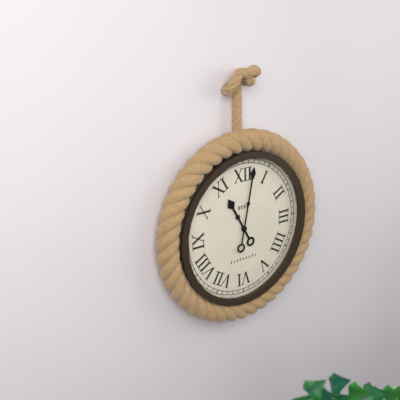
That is h=11 m=2
